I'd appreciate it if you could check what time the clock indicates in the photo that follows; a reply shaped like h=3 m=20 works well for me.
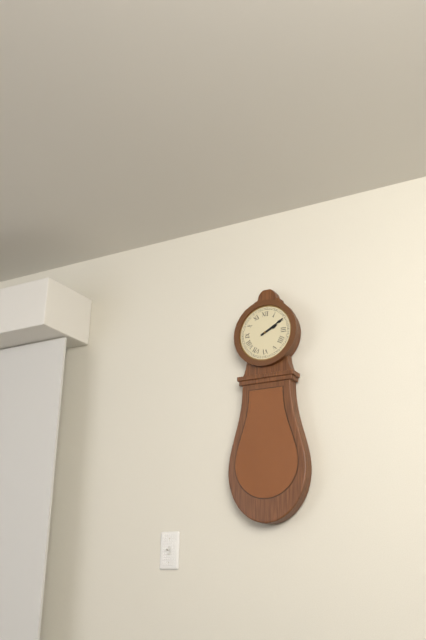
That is h=2 m=10
